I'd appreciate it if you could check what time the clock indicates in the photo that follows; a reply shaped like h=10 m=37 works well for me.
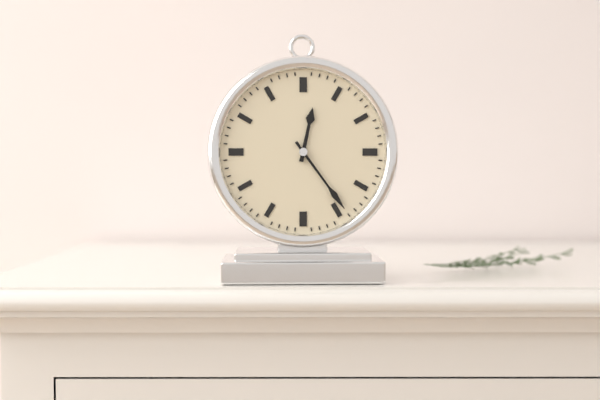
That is h=12 m=24
